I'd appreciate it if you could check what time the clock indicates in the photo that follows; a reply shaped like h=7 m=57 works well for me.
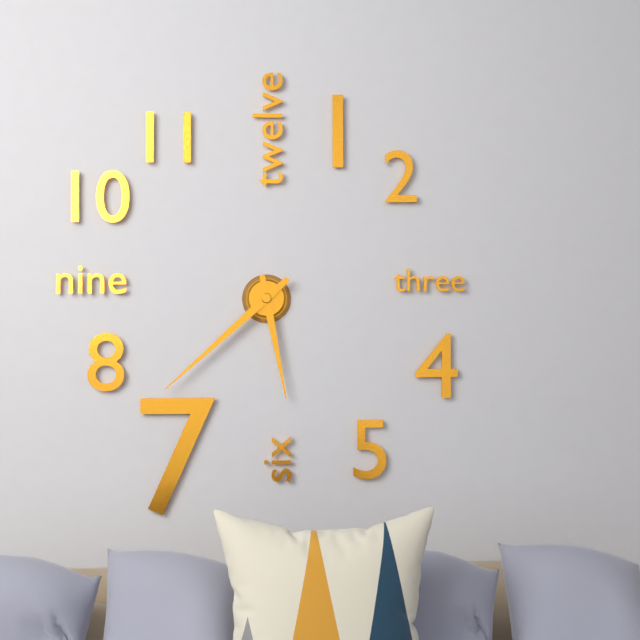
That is h=5 m=38
